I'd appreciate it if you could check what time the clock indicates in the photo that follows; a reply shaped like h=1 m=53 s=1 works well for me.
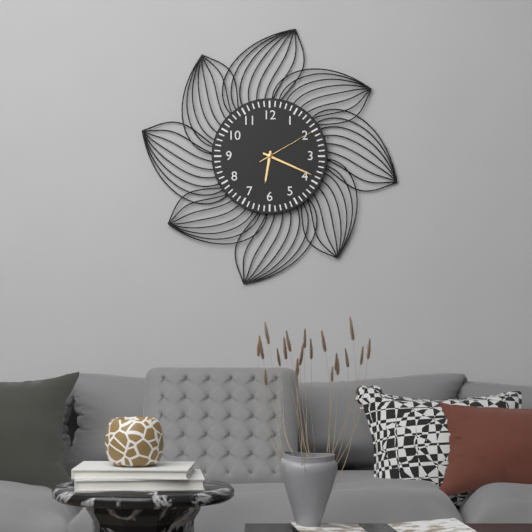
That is h=6 m=19 s=10
